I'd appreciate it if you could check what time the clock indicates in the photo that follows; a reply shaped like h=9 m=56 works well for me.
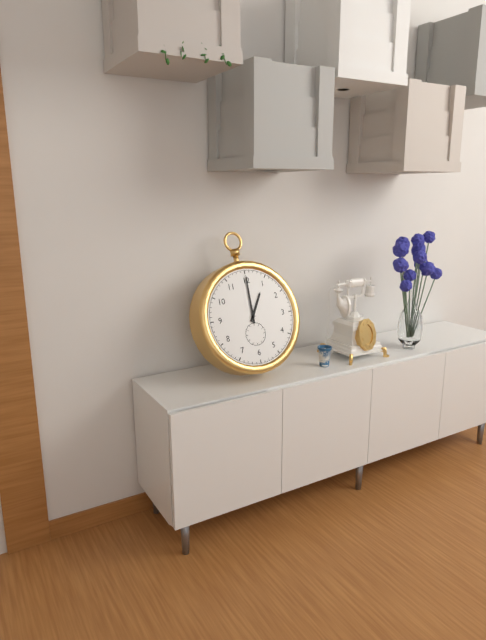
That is h=1 m=0
